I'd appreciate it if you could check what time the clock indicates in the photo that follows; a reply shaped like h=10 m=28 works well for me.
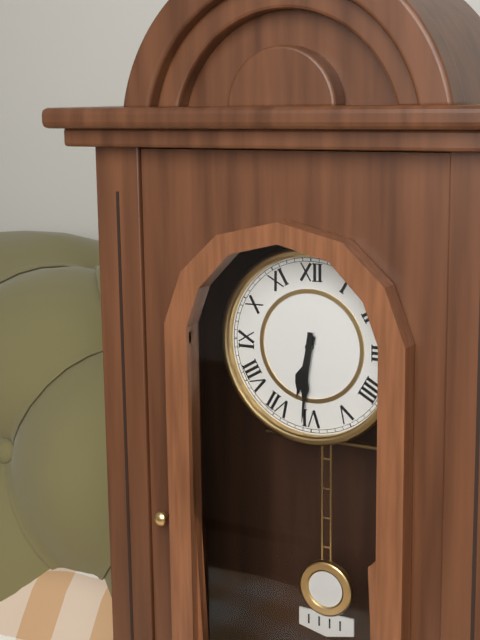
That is h=6 m=31
